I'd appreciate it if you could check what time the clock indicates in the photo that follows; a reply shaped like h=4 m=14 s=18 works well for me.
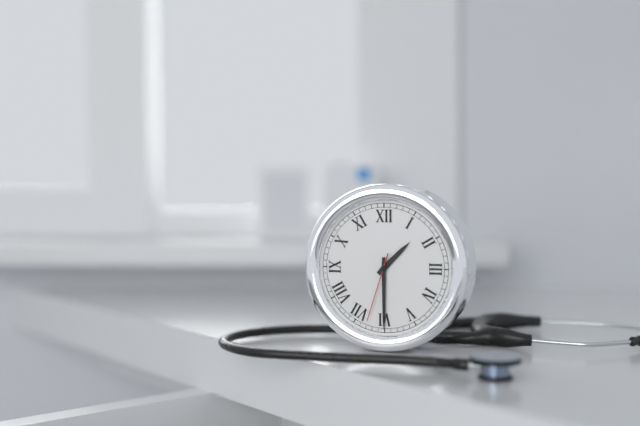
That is h=1 m=30 s=33
